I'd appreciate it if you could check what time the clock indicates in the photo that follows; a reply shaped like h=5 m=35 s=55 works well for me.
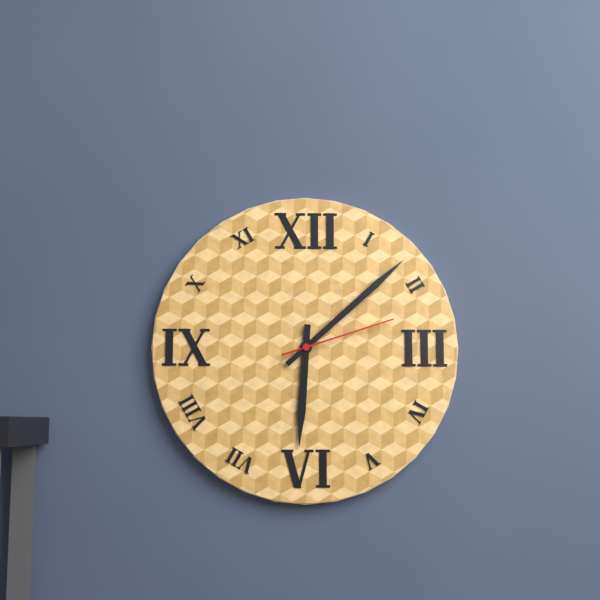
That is h=6 m=8 s=12
